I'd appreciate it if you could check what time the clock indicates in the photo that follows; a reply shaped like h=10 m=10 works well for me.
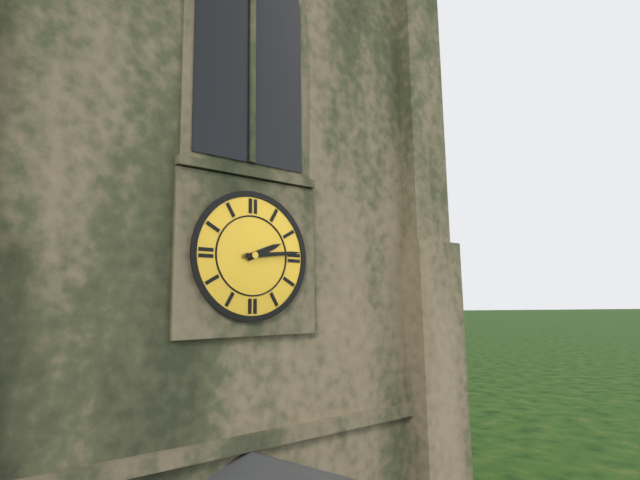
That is h=2 m=14
